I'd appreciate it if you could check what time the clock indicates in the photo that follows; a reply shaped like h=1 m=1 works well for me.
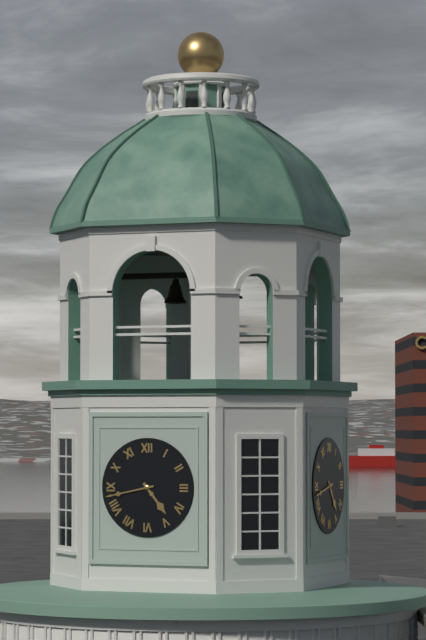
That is h=4 m=43
